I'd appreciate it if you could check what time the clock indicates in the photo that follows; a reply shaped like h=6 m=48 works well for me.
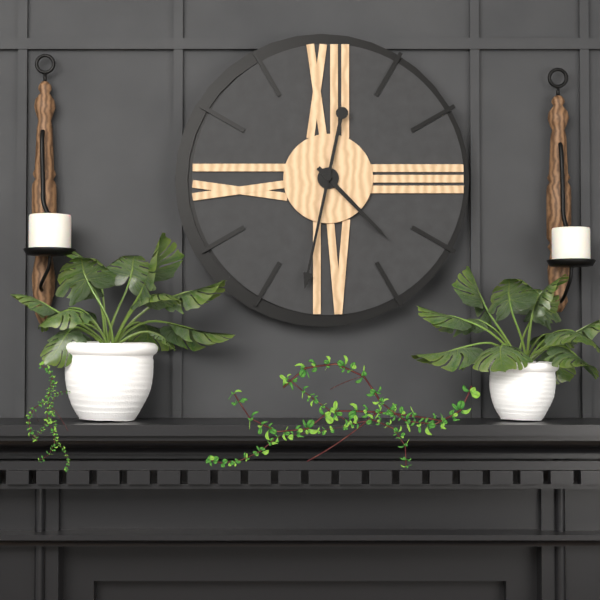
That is h=4 m=32
